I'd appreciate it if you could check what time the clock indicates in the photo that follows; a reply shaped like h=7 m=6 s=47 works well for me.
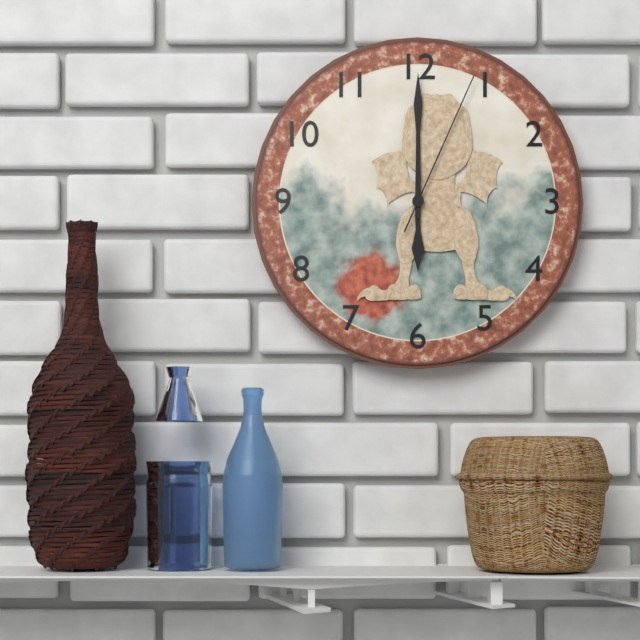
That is h=6 m=0 s=4
